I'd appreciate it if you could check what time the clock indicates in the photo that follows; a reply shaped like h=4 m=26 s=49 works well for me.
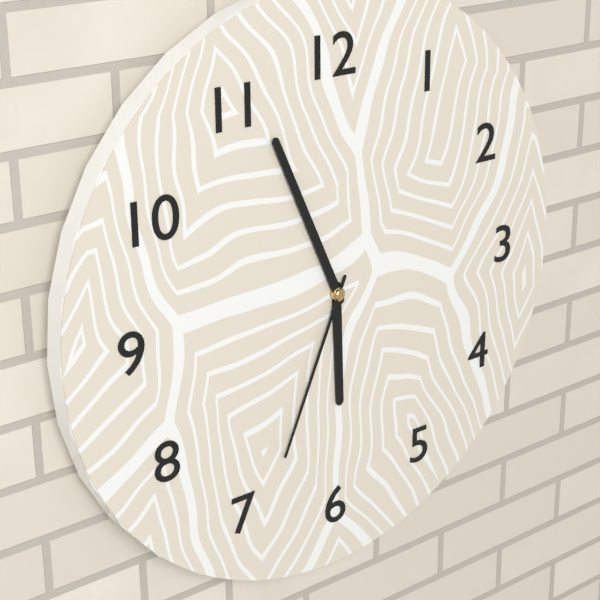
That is h=5 m=56 s=34
